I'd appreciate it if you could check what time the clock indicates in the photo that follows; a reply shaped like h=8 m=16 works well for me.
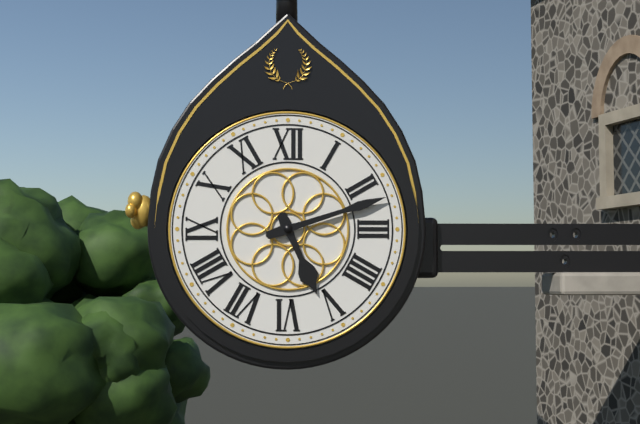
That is h=5 m=12
